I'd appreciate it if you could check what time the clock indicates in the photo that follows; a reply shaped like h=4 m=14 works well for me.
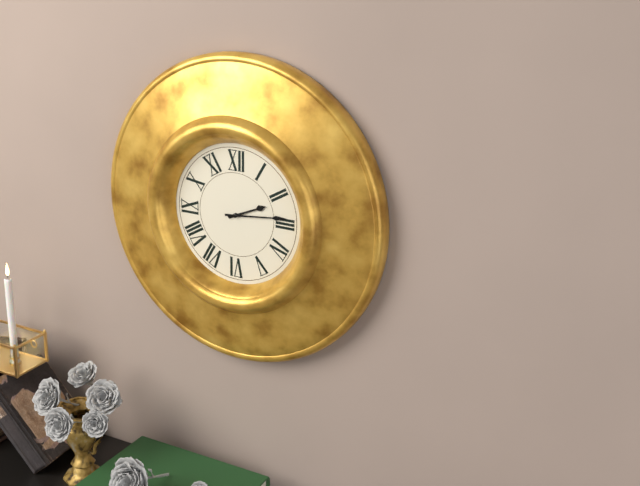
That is h=2 m=14
